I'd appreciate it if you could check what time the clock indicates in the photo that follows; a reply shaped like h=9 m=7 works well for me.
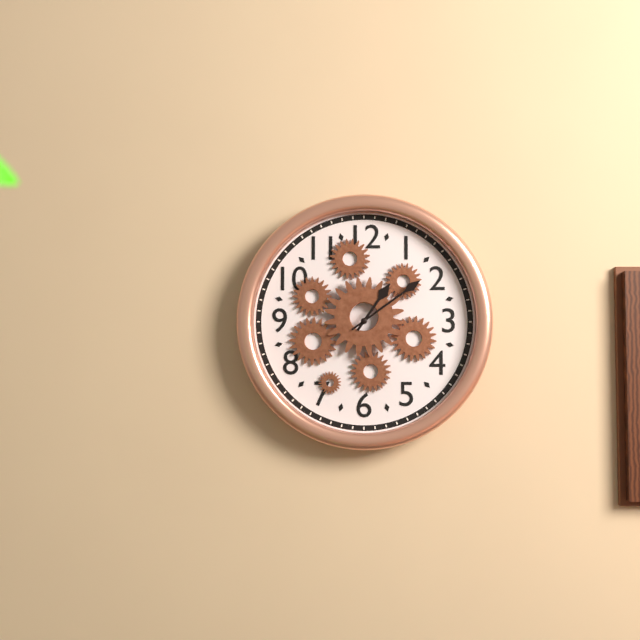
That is h=1 m=9
